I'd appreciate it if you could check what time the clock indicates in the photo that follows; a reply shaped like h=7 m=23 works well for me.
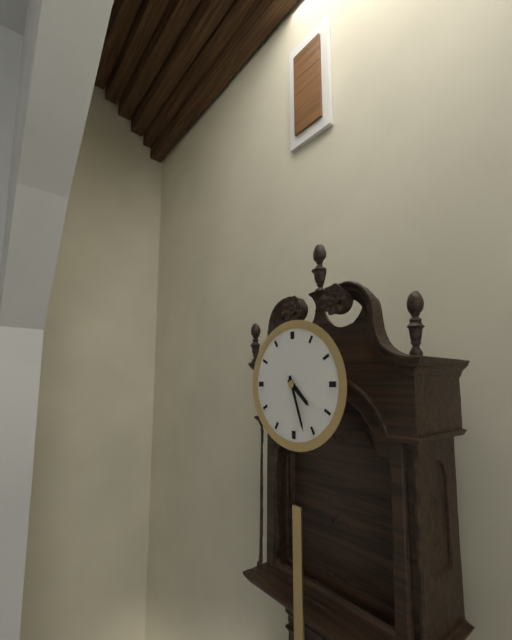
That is h=4 m=27
